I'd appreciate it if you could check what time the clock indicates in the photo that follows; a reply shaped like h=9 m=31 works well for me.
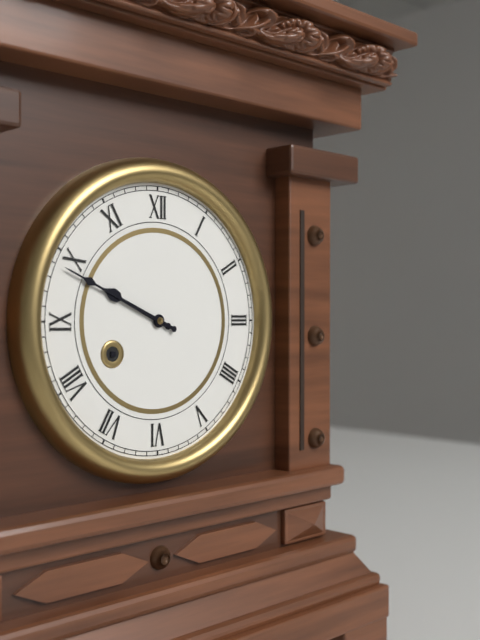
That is h=9 m=49
